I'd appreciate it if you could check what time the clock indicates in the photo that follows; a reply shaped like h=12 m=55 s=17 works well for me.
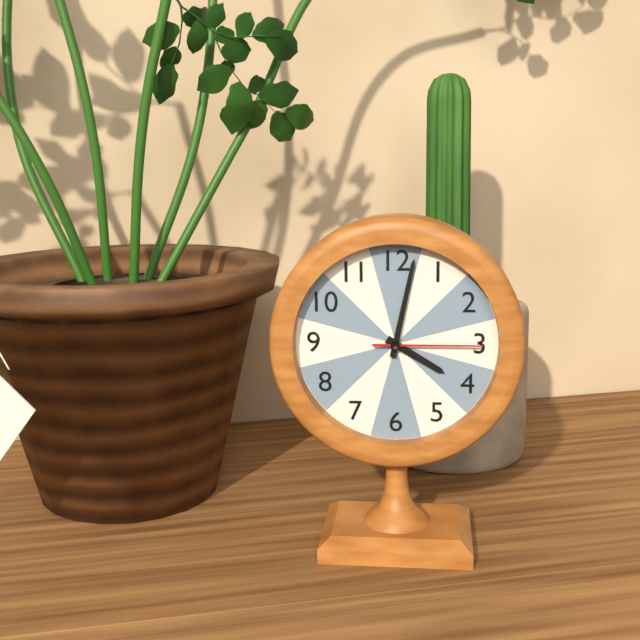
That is h=4 m=2 s=15
